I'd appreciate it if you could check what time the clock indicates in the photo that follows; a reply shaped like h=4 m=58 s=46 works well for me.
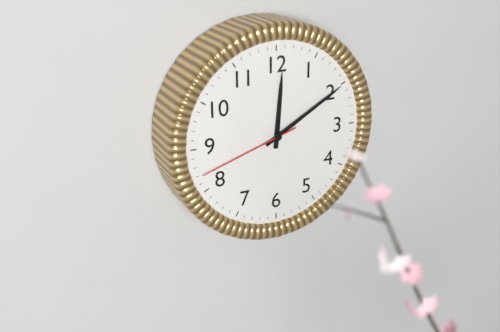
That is h=12 m=10 s=42
